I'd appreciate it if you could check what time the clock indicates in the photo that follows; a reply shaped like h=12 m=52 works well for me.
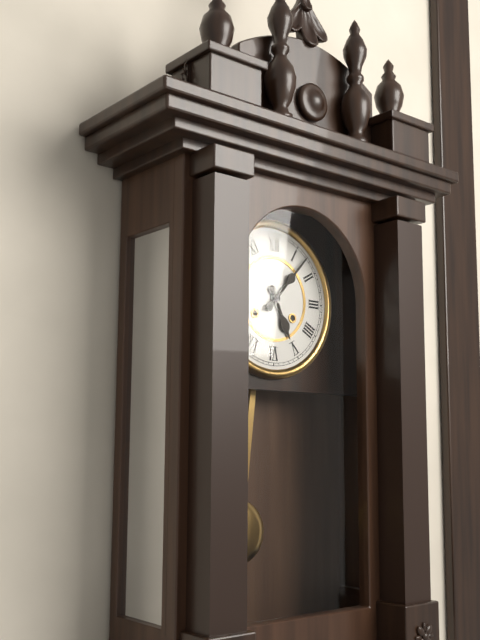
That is h=5 m=7
